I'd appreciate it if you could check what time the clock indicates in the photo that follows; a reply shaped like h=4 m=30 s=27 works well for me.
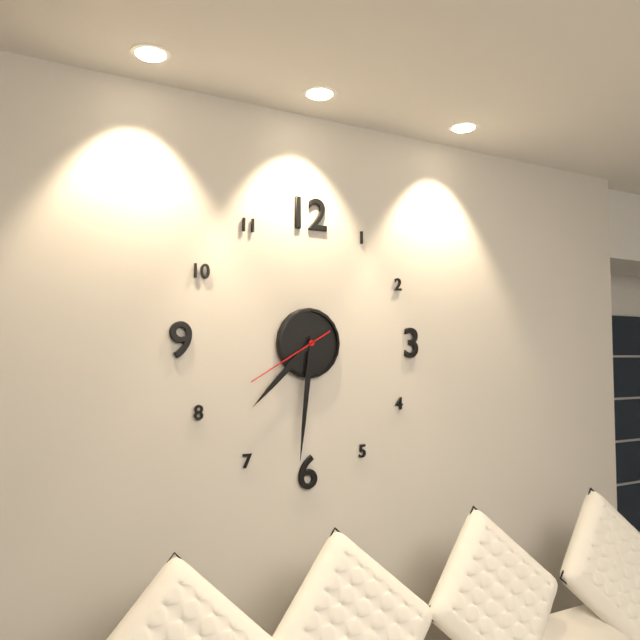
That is h=7 m=31 s=40
